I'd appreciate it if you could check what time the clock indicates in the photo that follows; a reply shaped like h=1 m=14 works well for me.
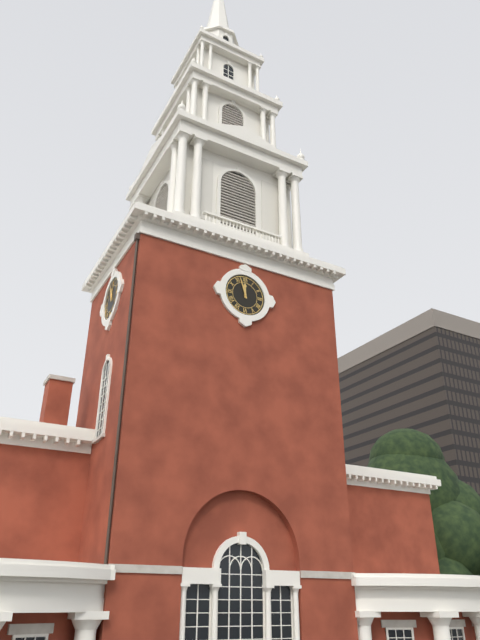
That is h=11 m=57
